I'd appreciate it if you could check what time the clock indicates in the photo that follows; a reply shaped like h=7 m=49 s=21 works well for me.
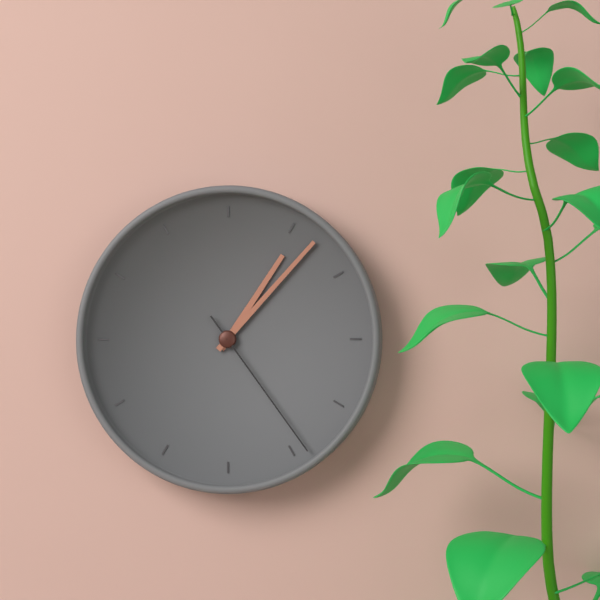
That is h=1 m=7 s=24
